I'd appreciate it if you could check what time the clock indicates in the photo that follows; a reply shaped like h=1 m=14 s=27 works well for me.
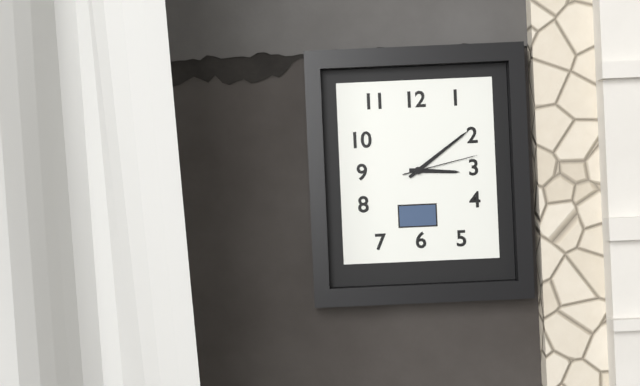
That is h=3 m=9 s=13
